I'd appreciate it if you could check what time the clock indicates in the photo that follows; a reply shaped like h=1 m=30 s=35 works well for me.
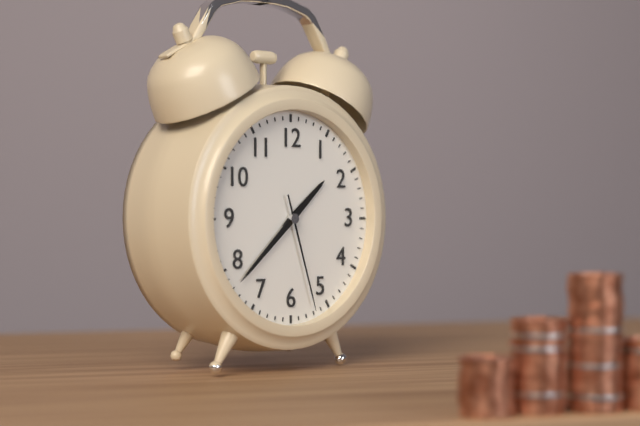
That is h=1 m=38 s=27
